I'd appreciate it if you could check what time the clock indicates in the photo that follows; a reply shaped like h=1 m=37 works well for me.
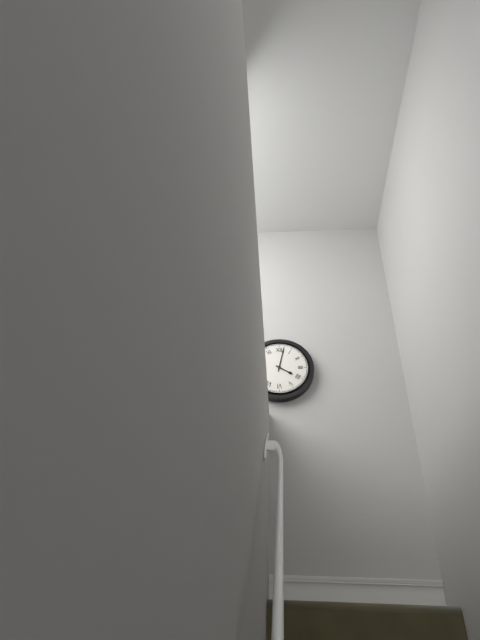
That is h=4 m=2
